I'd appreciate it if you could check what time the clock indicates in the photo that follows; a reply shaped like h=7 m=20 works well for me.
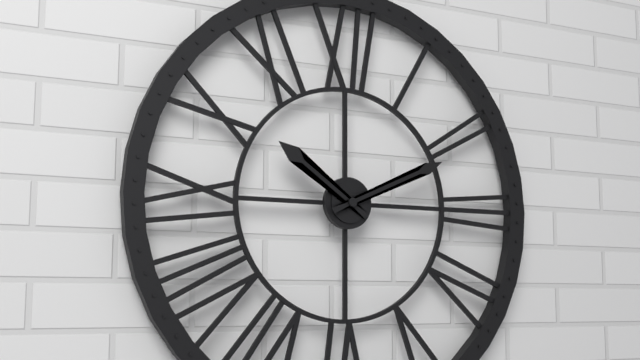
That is h=10 m=11
